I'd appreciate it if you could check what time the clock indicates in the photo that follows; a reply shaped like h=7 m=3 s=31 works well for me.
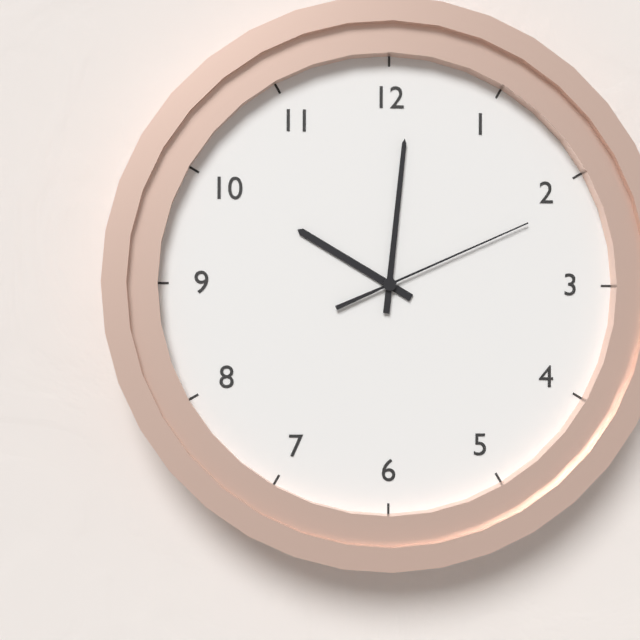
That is h=10 m=1 s=11
